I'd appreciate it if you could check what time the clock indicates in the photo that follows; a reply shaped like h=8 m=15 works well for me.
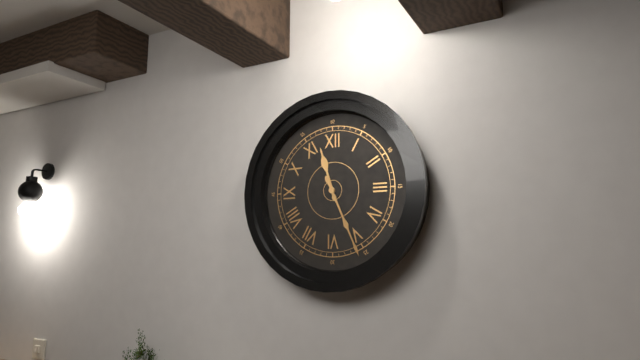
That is h=11 m=26
